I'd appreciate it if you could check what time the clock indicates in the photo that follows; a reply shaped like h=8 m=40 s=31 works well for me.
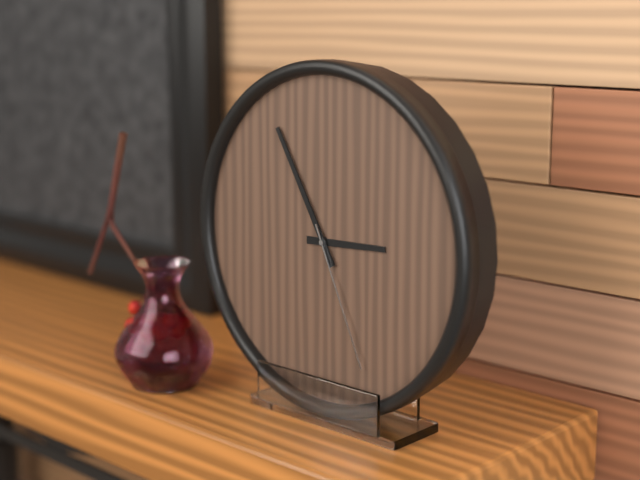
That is h=2 m=55 s=26
